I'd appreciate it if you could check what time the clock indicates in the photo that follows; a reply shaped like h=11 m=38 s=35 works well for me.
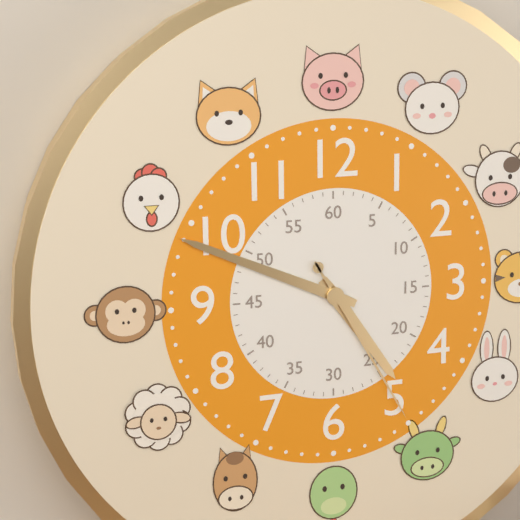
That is h=4 m=49 s=25
